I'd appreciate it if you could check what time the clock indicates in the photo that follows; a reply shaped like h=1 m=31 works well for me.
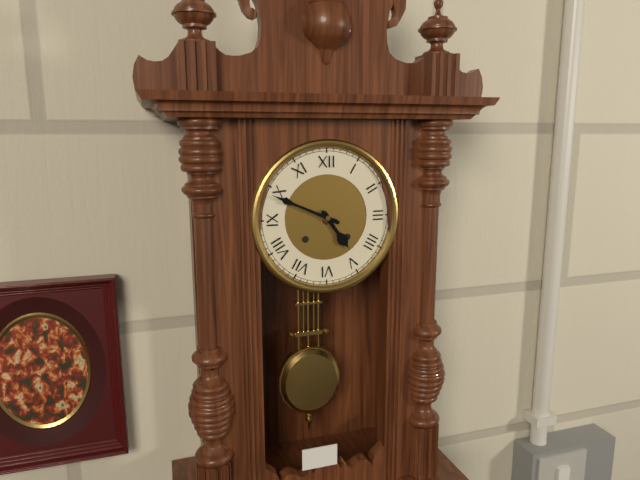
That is h=4 m=49
